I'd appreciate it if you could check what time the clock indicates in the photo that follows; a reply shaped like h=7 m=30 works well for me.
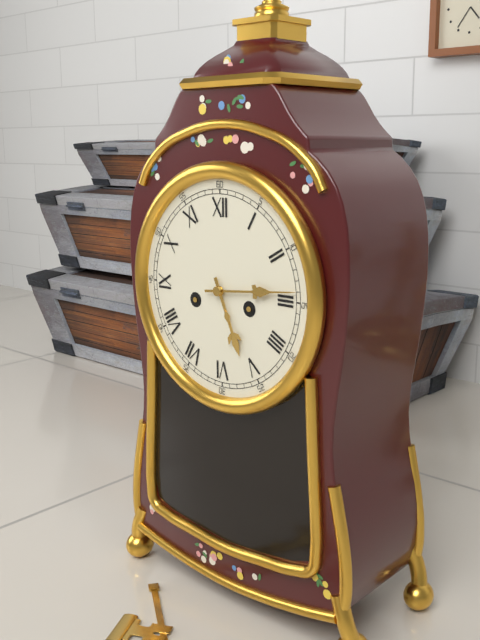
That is h=5 m=14
